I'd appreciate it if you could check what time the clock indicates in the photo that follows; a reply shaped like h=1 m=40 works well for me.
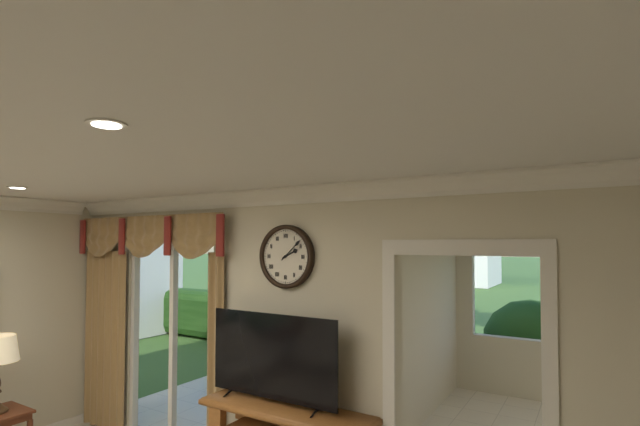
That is h=2 m=8
